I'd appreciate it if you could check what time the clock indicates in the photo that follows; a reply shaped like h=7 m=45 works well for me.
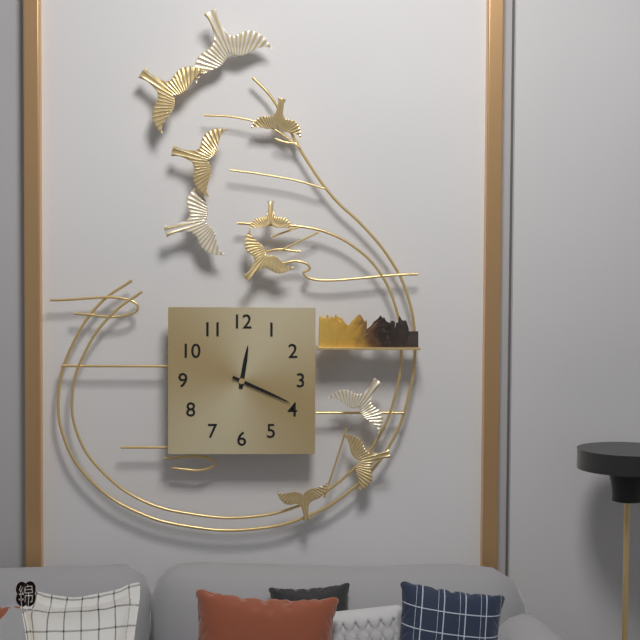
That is h=12 m=19
